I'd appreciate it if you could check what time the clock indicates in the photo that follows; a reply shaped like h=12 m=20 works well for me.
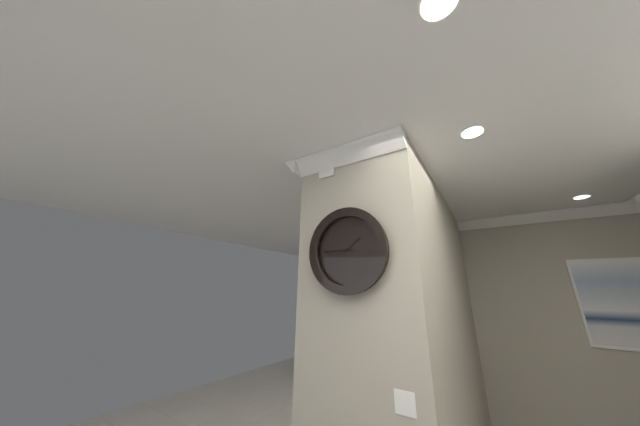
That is h=1 m=45
